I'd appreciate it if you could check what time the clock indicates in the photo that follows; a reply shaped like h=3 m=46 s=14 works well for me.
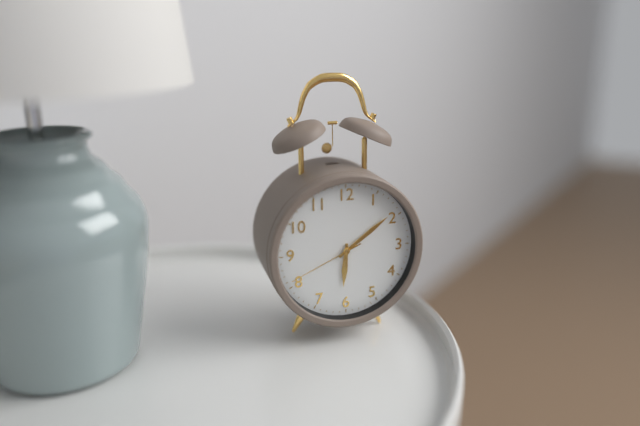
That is h=6 m=9 s=41
